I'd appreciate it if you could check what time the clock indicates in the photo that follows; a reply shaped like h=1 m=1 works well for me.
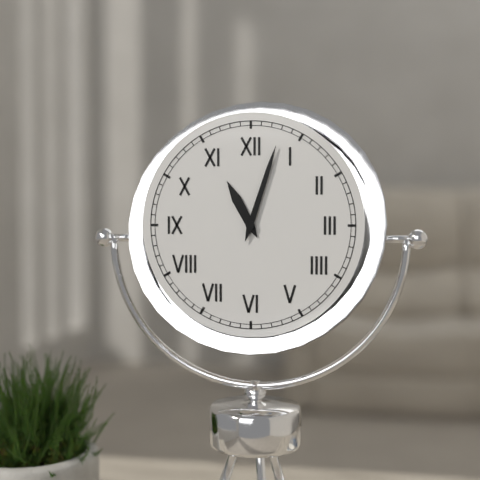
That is h=11 m=3
